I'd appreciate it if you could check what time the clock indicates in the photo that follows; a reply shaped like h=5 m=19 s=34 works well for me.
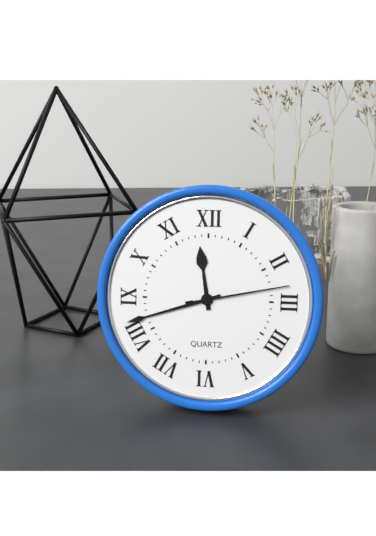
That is h=11 m=42 s=13
